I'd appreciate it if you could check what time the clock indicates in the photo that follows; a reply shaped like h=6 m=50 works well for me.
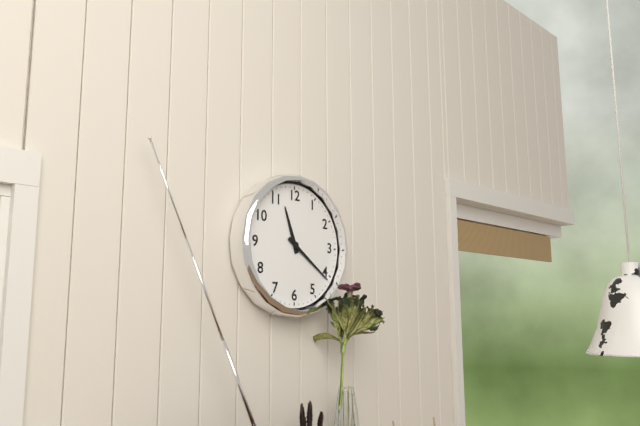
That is h=11 m=21
